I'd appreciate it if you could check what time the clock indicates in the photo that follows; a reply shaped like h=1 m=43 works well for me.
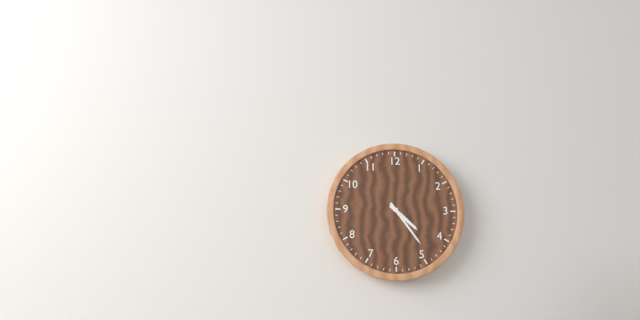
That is h=4 m=24
